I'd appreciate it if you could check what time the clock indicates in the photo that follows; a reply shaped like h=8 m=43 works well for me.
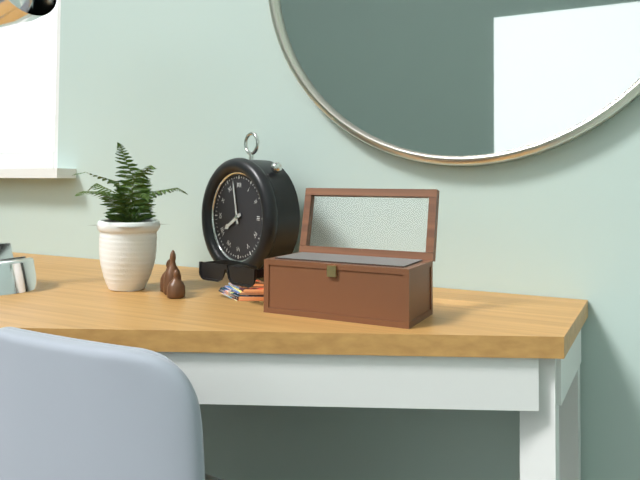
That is h=7 m=58
